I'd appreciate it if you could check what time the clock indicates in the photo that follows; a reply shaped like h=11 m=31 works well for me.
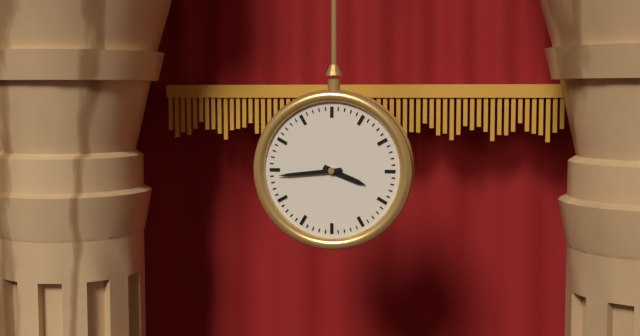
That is h=3 m=44
